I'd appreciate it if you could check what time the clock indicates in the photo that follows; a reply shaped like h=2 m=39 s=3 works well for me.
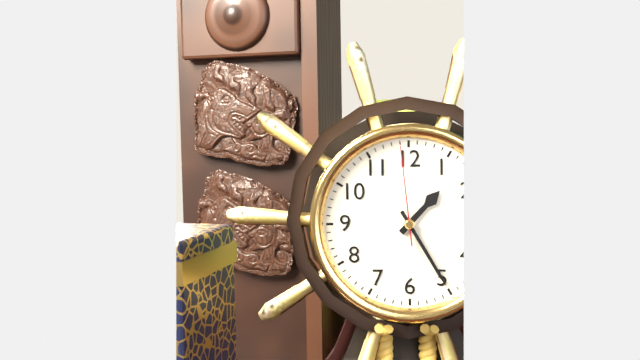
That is h=1 m=25 s=59
